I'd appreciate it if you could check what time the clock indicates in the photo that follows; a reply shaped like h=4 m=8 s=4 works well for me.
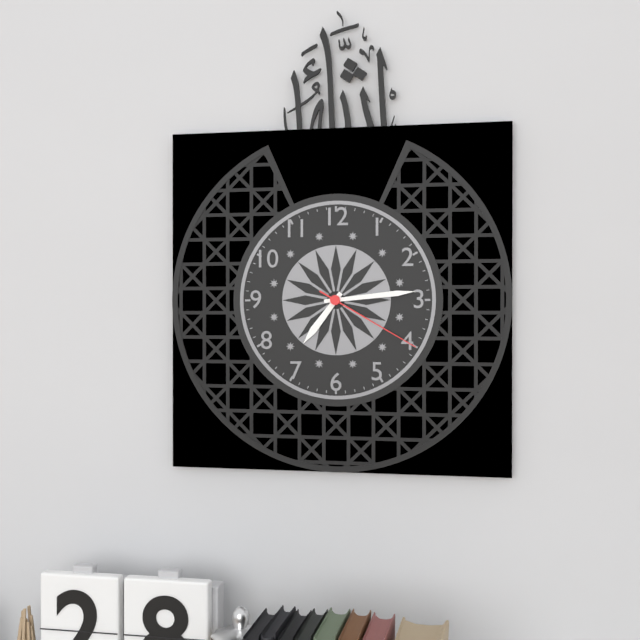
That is h=7 m=14 s=20
